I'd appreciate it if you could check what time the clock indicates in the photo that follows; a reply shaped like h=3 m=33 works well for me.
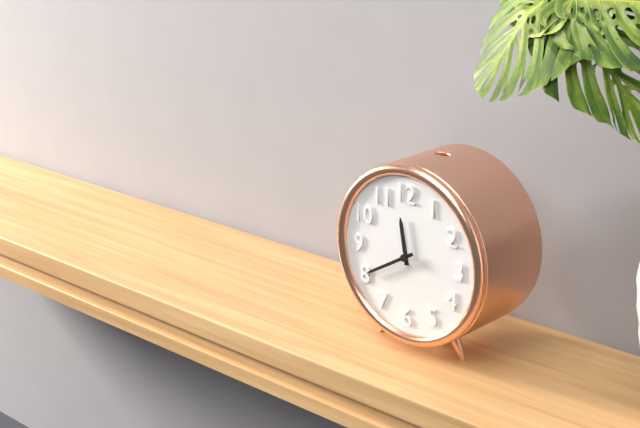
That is h=11 m=40
